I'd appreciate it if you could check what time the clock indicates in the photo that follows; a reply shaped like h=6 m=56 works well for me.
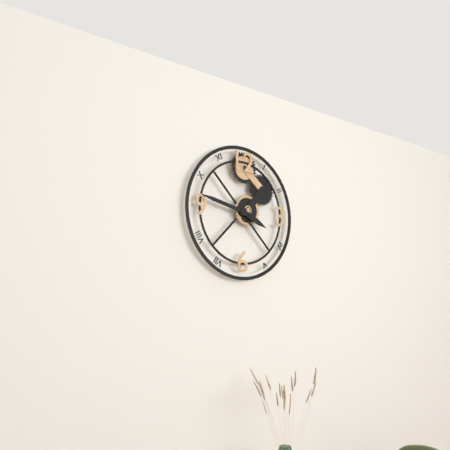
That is h=3 m=47
